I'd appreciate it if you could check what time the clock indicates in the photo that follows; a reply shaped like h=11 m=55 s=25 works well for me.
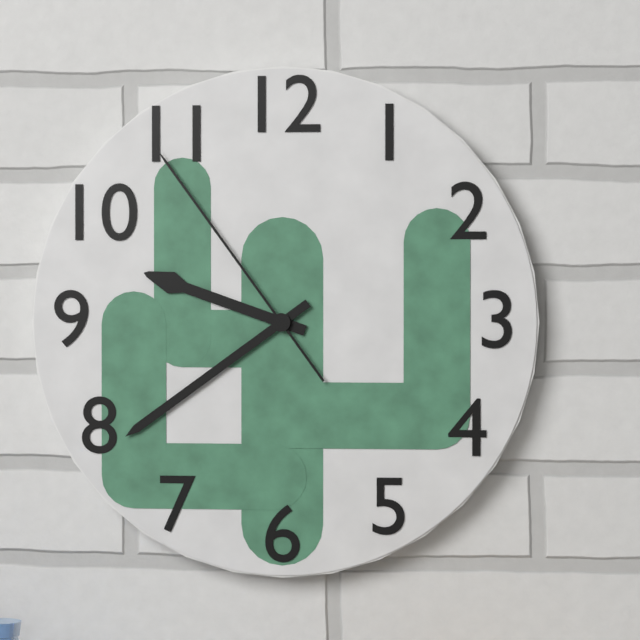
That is h=9 m=39 s=54
